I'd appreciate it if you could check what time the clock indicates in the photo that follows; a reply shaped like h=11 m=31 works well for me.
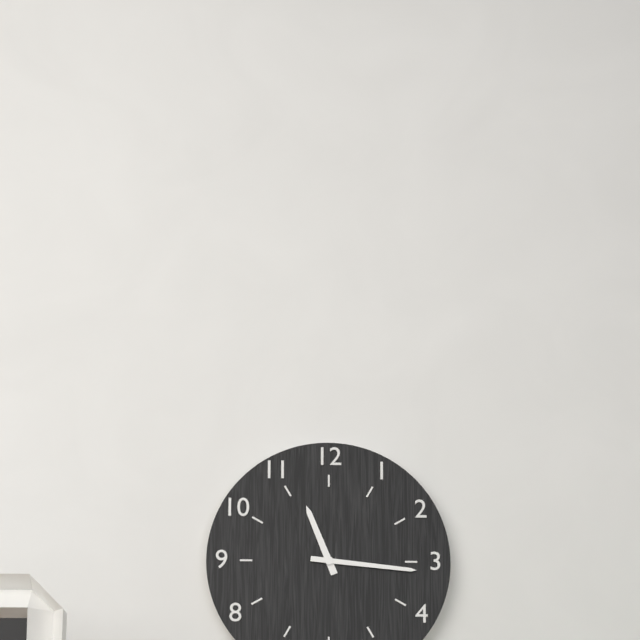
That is h=11 m=16
